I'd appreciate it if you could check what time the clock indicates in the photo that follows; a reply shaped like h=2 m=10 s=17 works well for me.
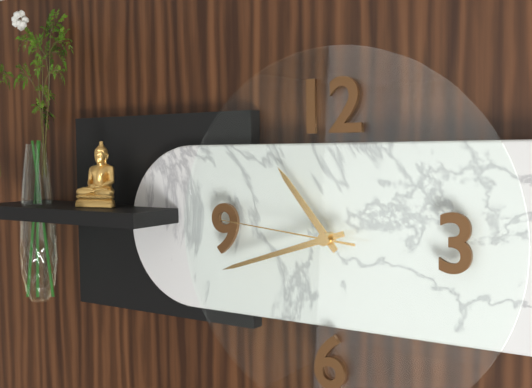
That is h=10 m=42 s=46
